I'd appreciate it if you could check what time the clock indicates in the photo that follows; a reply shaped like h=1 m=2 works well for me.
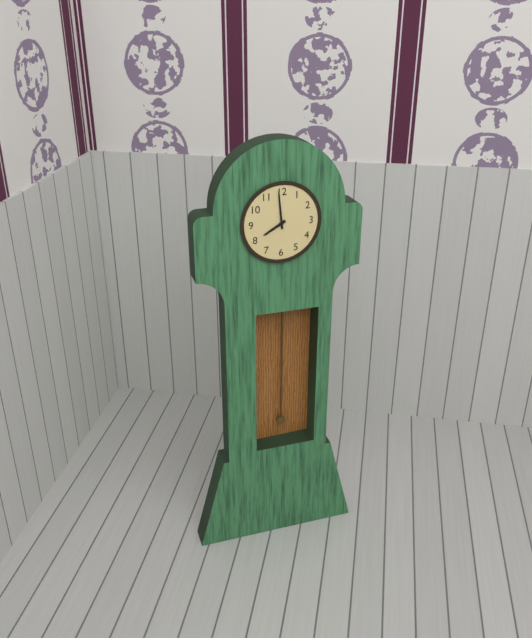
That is h=7 m=59
